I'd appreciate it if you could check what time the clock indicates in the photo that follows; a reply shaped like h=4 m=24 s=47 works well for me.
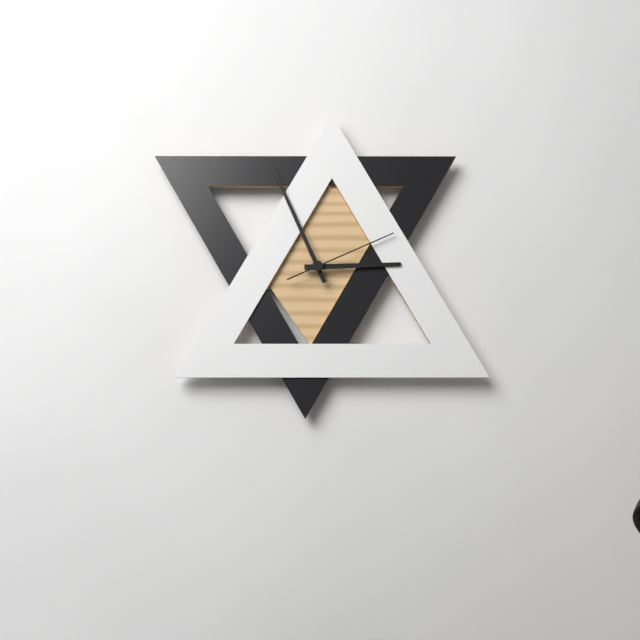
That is h=2 m=56 s=11
